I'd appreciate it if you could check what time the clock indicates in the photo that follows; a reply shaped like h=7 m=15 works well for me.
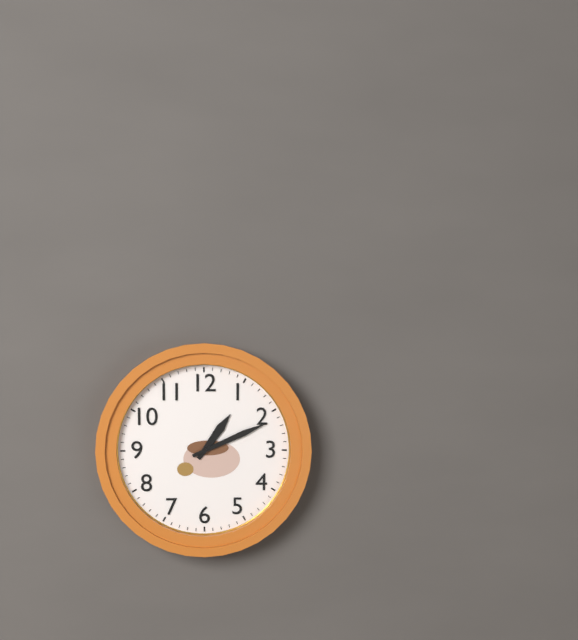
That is h=1 m=11
